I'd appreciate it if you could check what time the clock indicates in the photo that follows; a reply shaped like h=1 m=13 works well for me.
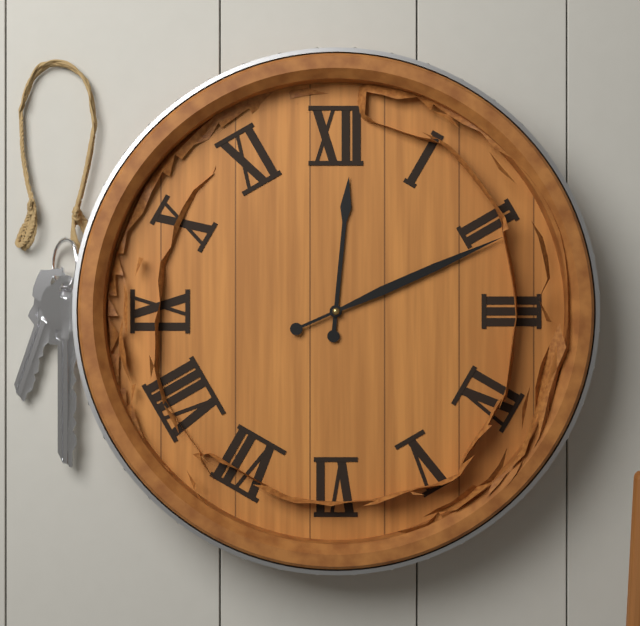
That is h=12 m=11
